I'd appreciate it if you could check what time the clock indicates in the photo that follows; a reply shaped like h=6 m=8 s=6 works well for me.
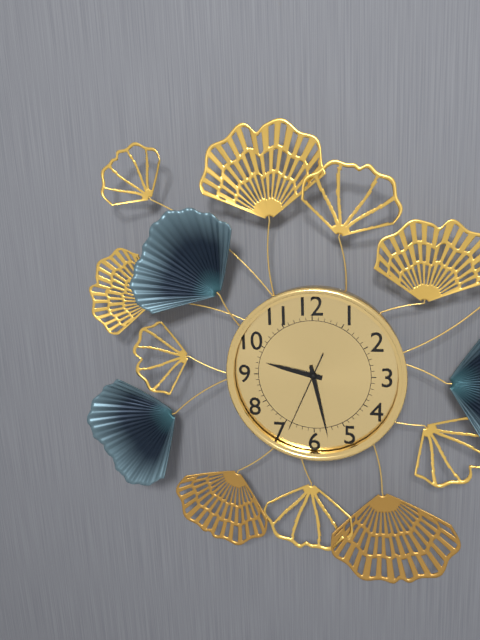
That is h=9 m=28 s=34
